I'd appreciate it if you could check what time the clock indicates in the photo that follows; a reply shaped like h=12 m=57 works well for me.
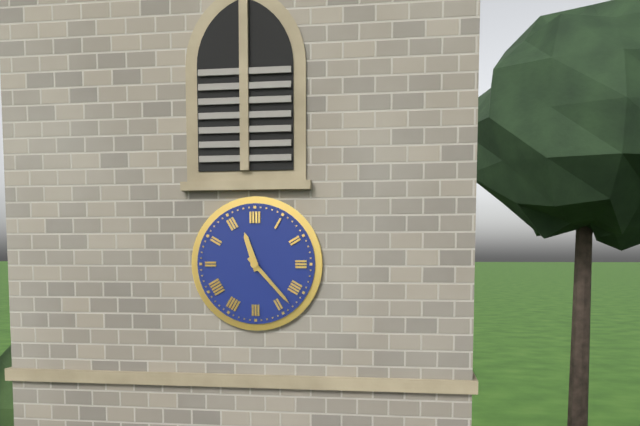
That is h=11 m=23
